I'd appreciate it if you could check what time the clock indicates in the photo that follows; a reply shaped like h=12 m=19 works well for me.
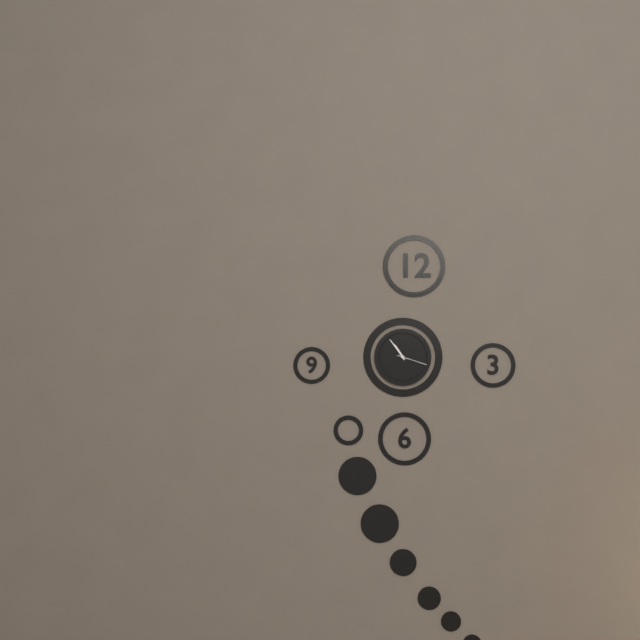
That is h=10 m=54
